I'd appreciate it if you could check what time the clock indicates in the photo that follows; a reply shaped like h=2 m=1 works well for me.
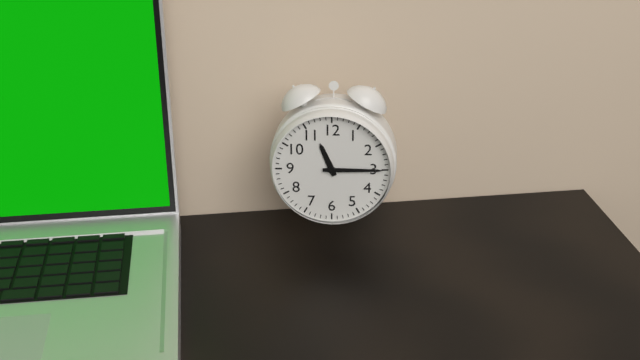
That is h=11 m=15
